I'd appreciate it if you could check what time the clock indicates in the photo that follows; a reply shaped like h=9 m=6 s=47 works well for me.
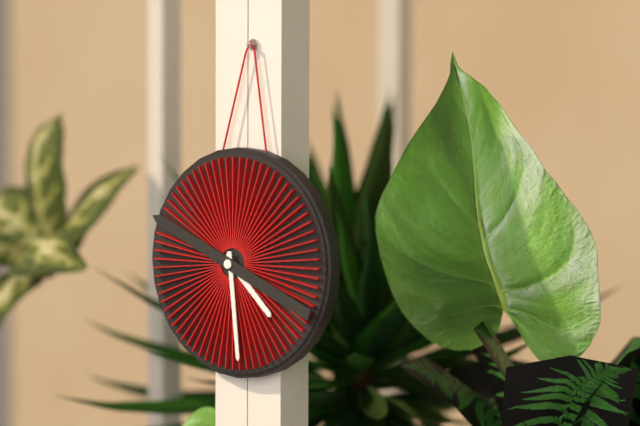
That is h=4 m=29 s=49
